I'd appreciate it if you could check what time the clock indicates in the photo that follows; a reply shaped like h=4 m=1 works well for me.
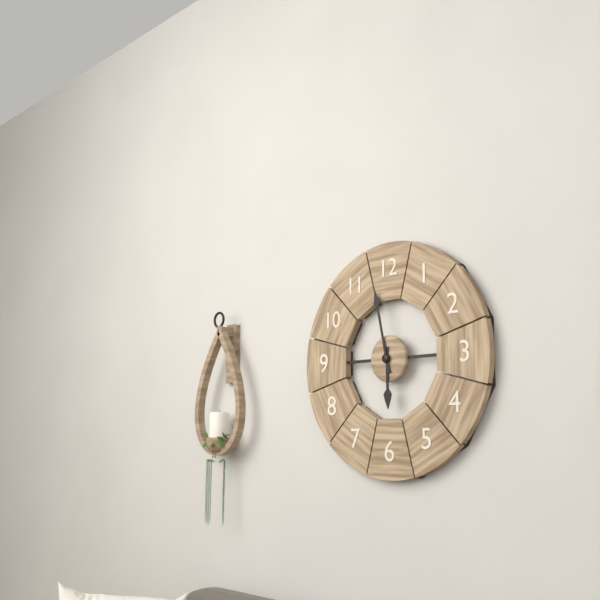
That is h=5 m=58
